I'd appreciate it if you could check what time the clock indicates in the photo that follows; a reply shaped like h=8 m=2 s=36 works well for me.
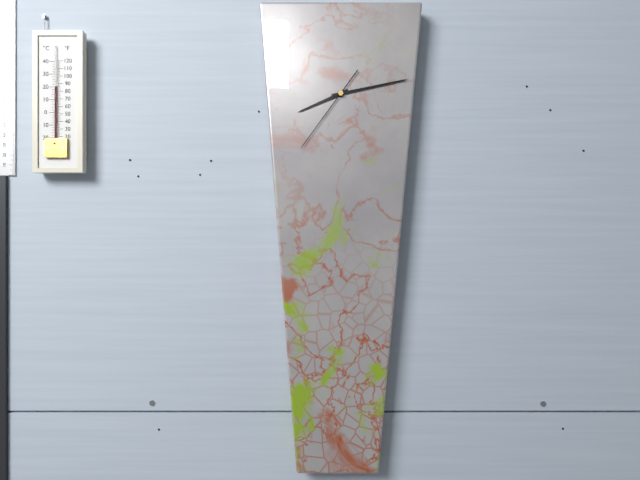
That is h=8 m=13 s=36
